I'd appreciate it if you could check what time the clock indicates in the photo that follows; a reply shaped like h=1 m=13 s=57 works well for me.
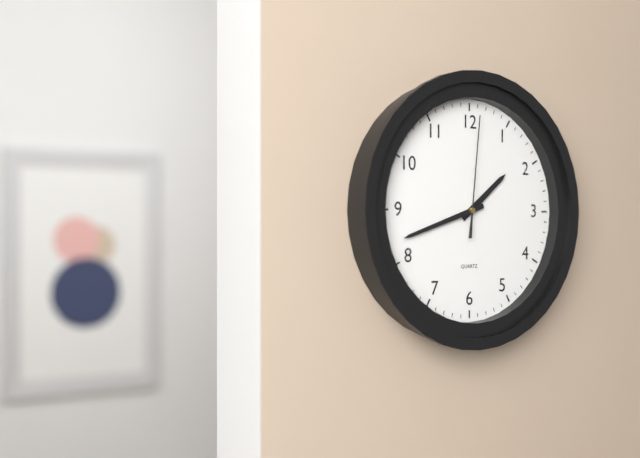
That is h=1 m=42 s=1
